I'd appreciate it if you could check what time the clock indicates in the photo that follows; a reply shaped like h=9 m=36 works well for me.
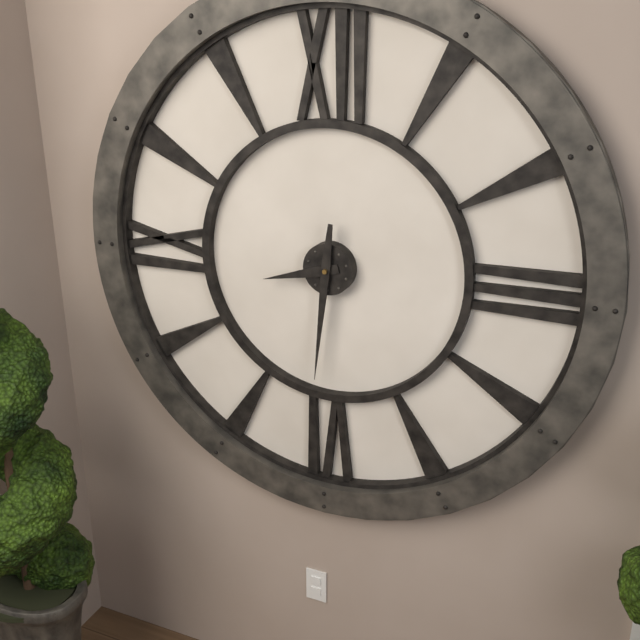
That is h=8 m=31
